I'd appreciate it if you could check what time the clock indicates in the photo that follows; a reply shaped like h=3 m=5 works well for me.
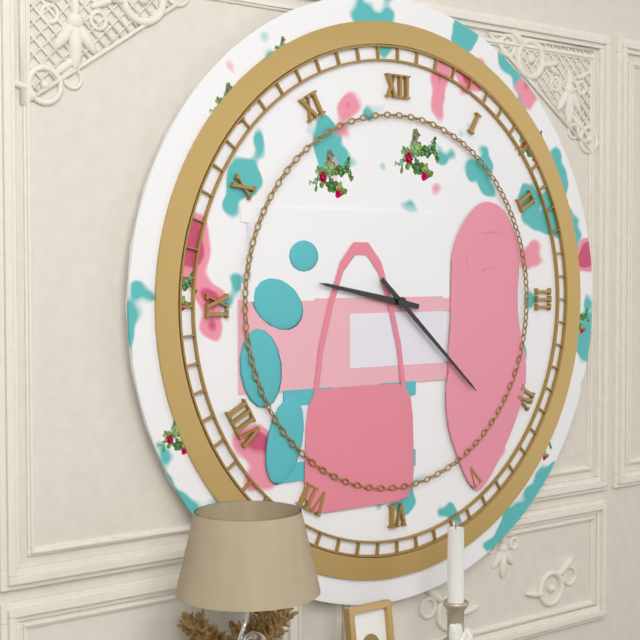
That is h=9 m=22
